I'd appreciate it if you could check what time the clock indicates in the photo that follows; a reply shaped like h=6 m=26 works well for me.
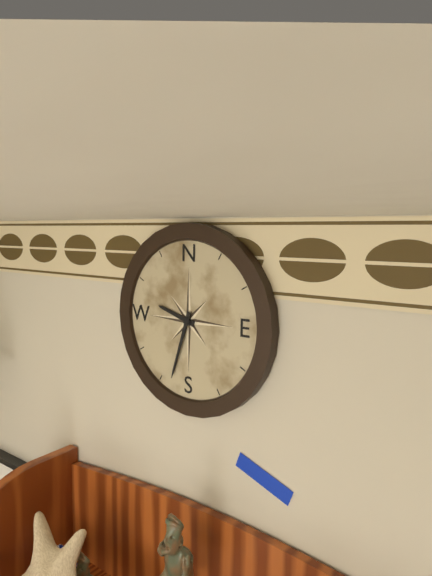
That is h=9 m=33
